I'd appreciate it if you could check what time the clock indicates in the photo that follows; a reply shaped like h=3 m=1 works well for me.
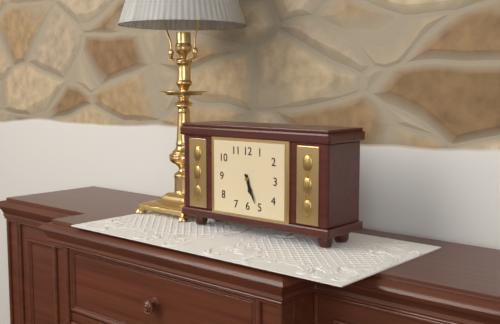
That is h=5 m=26
